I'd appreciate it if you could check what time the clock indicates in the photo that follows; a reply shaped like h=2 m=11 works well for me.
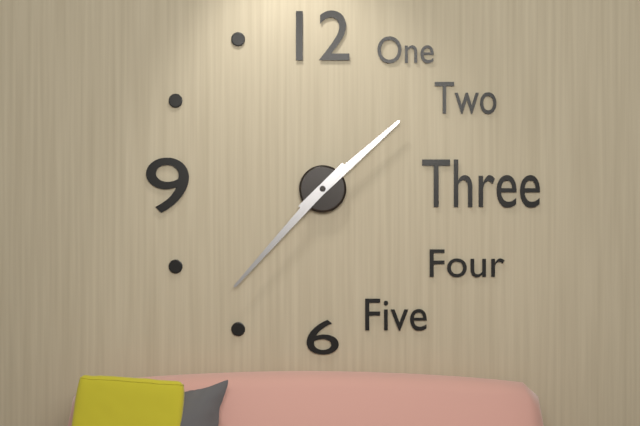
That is h=1 m=37
